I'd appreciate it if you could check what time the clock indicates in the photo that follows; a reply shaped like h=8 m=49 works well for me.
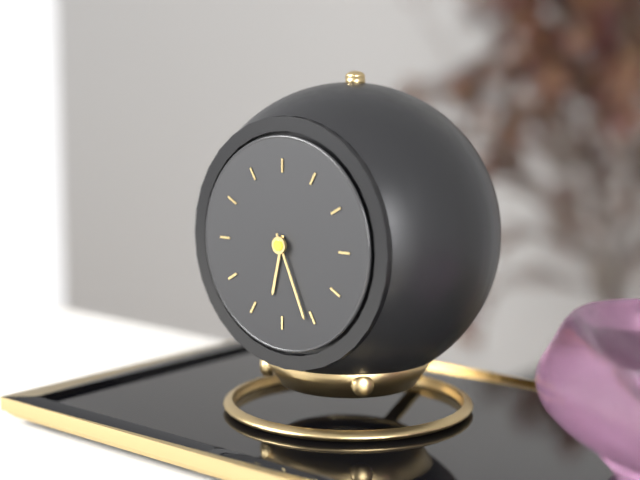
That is h=6 m=26
